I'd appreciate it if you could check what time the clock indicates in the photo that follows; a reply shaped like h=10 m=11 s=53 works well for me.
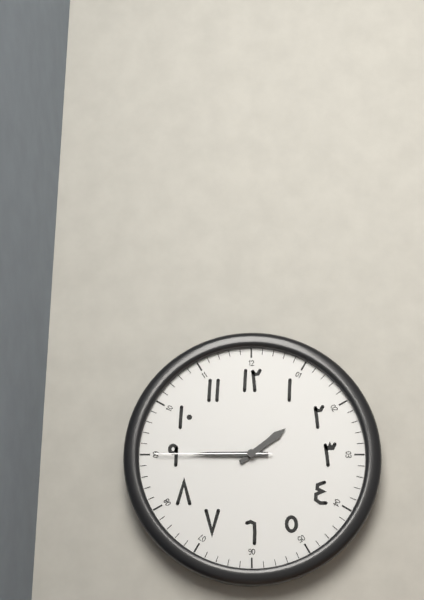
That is h=1 m=45 s=45
